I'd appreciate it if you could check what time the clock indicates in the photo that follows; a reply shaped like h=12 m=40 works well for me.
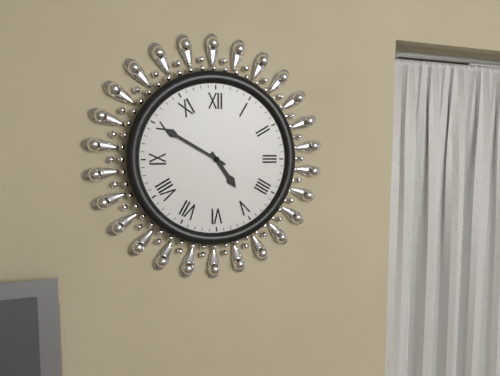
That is h=4 m=50
